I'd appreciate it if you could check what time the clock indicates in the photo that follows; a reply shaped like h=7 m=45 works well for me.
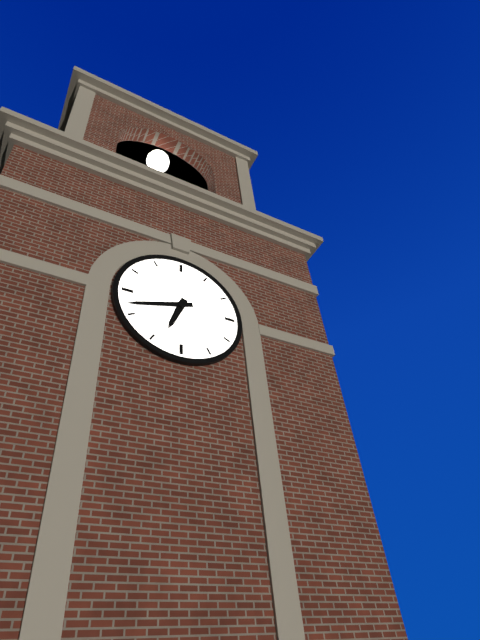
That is h=6 m=42
